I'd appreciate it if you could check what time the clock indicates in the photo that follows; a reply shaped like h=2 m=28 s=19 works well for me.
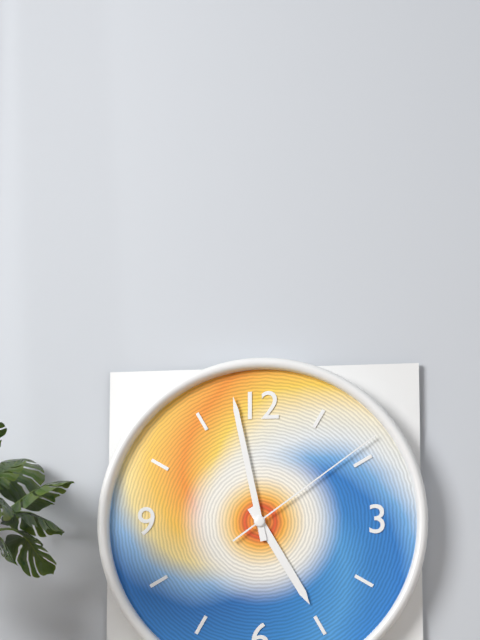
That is h=4 m=58 s=9
